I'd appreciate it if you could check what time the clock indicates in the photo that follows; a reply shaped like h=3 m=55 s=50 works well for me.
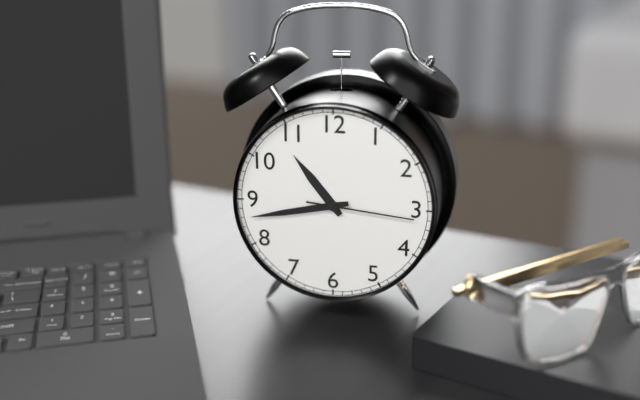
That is h=10 m=43 s=16
